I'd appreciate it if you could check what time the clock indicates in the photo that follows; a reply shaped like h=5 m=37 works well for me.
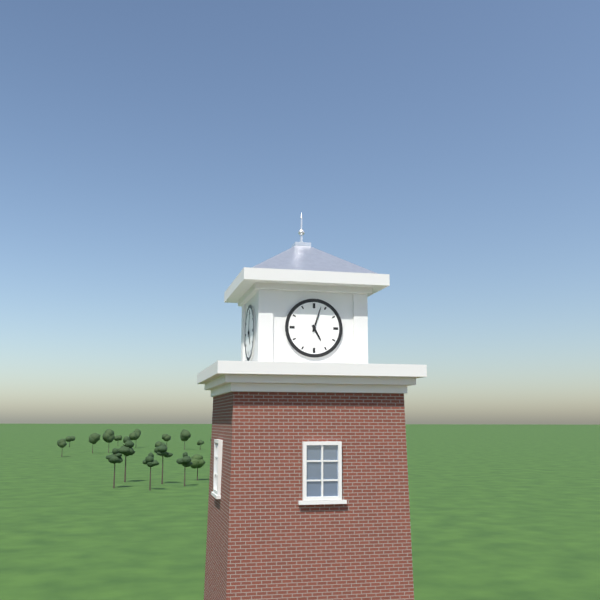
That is h=5 m=3
